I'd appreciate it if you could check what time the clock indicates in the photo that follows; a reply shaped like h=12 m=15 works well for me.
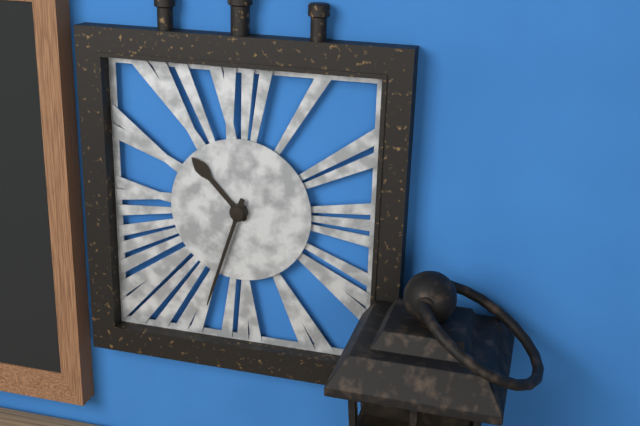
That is h=10 m=33
